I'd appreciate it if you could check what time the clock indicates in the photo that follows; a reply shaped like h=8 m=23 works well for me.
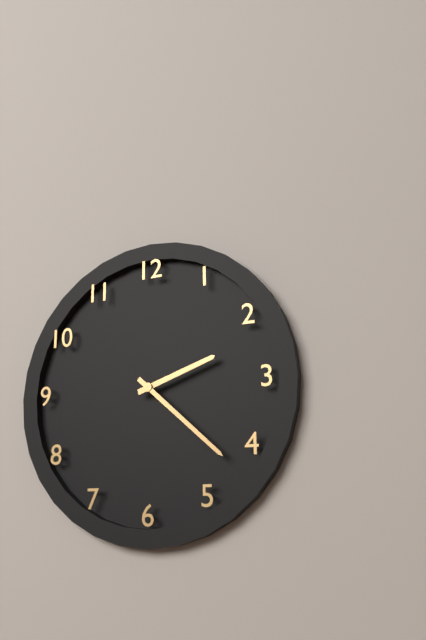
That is h=2 m=22
